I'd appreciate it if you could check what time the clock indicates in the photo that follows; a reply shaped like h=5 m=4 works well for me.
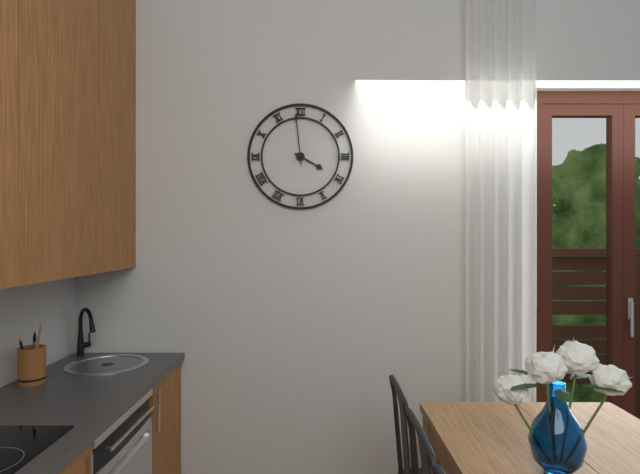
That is h=3 m=59
